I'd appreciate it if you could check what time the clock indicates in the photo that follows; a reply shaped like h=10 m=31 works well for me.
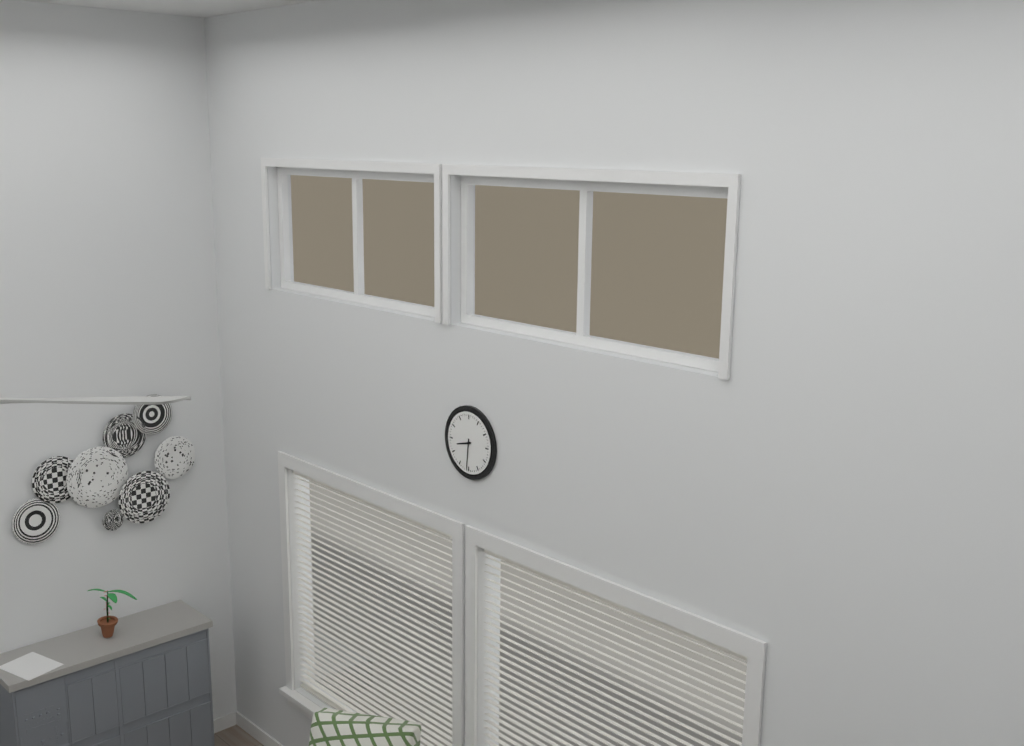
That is h=8 m=31
